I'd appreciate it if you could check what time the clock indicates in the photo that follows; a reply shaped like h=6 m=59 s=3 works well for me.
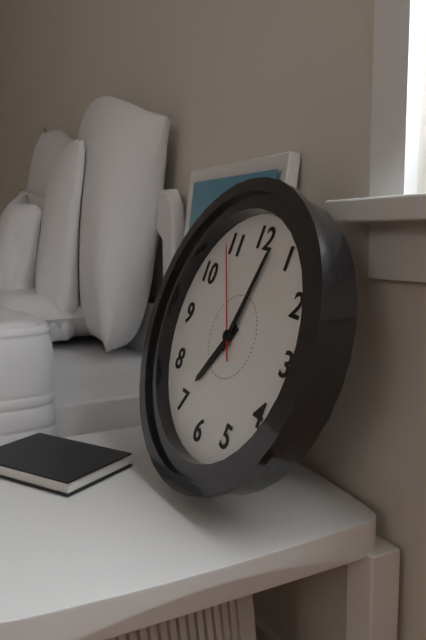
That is h=7 m=2 s=54
